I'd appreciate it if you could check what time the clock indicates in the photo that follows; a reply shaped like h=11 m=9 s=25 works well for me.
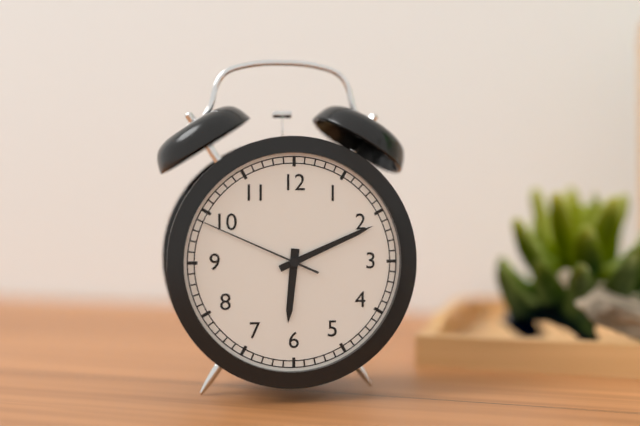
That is h=6 m=11 s=49
